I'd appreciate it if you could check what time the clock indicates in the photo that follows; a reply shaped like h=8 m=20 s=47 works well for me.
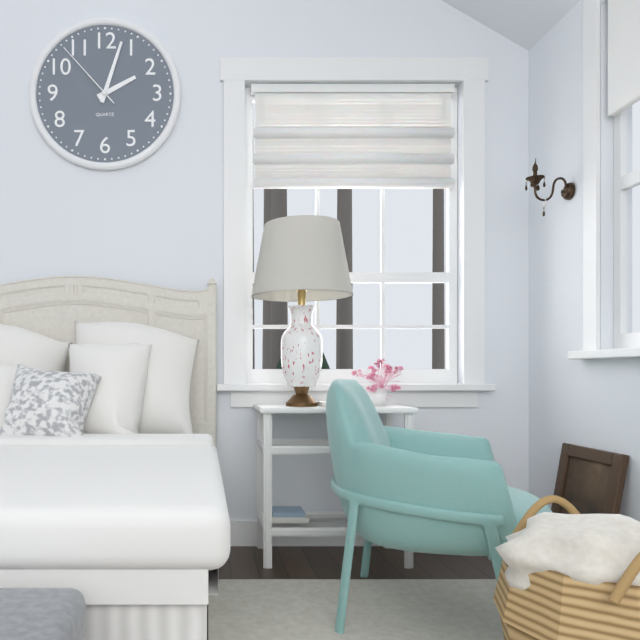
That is h=2 m=3 s=53
